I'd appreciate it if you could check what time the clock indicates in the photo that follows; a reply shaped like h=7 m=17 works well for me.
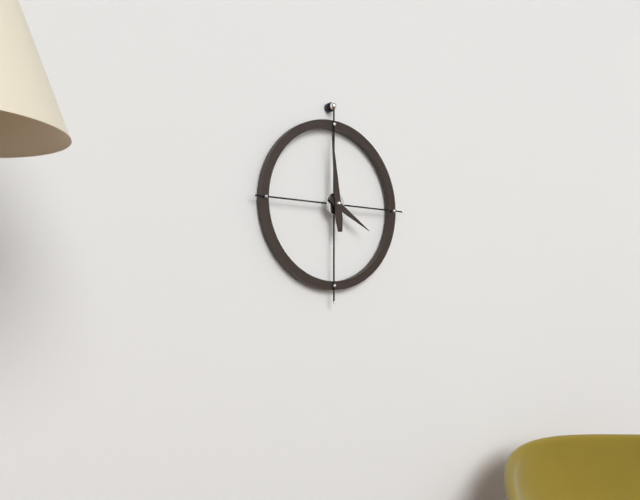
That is h=3 m=59
